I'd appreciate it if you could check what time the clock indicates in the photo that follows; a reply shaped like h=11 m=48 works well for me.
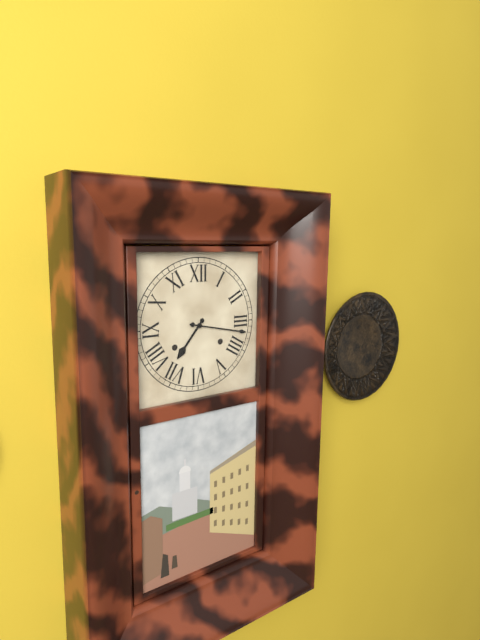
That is h=7 m=17
